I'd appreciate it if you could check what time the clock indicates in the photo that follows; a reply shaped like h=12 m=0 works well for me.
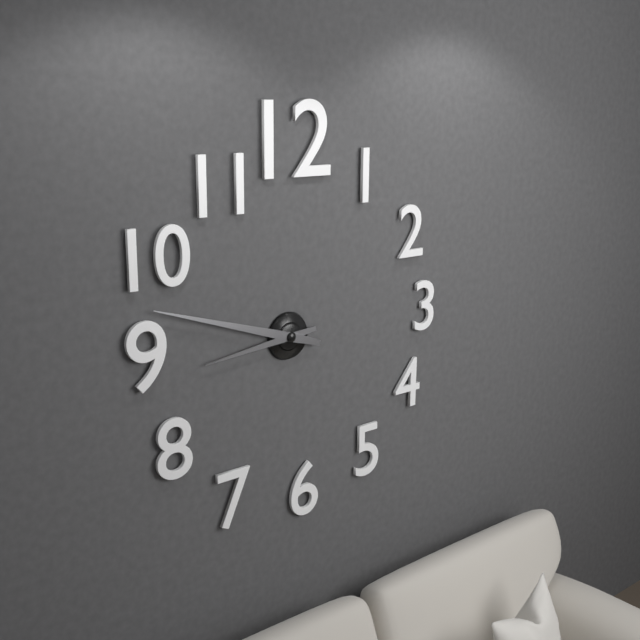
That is h=8 m=48
